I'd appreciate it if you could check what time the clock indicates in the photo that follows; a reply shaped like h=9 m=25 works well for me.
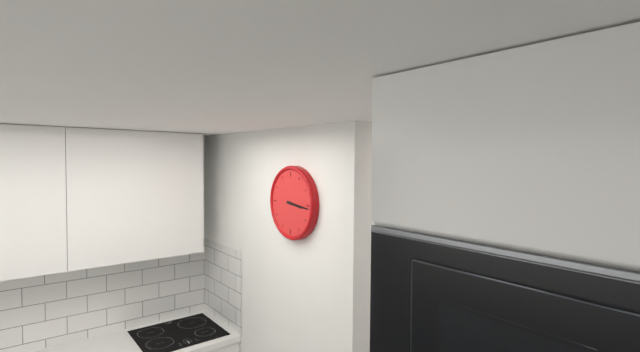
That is h=3 m=16
